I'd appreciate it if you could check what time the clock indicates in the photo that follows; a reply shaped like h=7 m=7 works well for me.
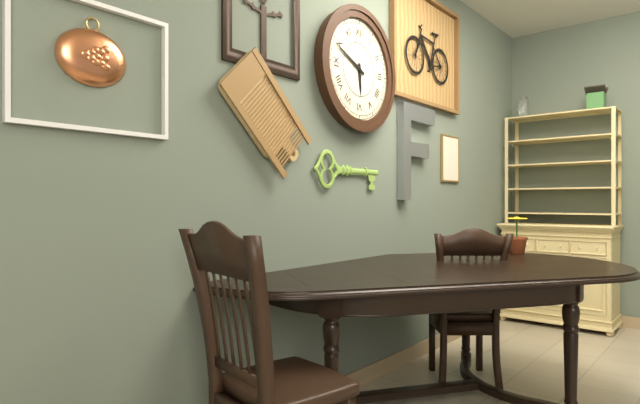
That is h=5 m=49
